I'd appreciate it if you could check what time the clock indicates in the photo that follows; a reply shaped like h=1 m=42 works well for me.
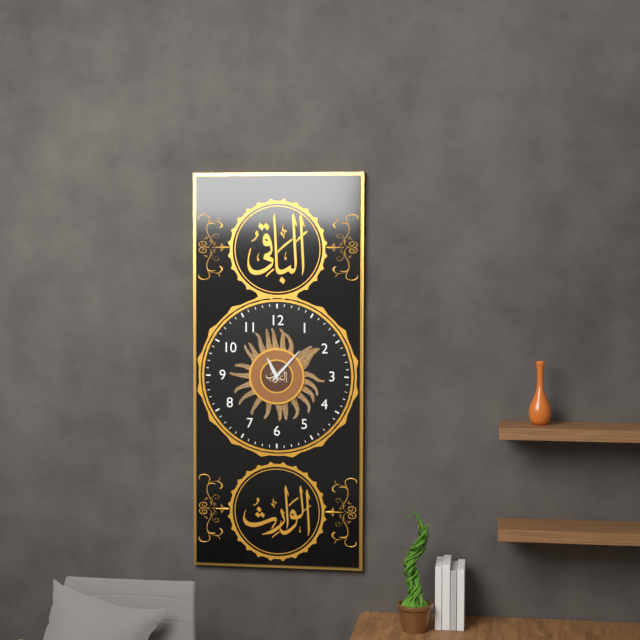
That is h=11 m=7
